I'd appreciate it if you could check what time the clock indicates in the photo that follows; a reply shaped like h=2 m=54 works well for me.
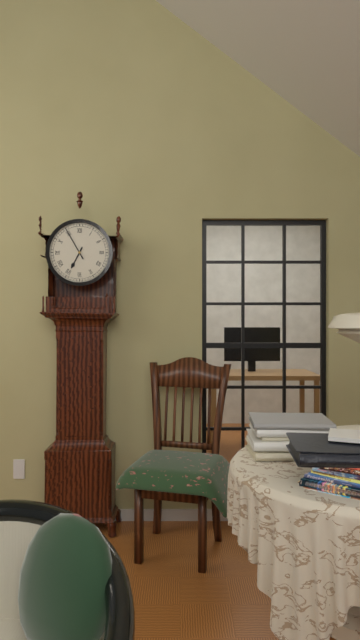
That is h=6 m=55
